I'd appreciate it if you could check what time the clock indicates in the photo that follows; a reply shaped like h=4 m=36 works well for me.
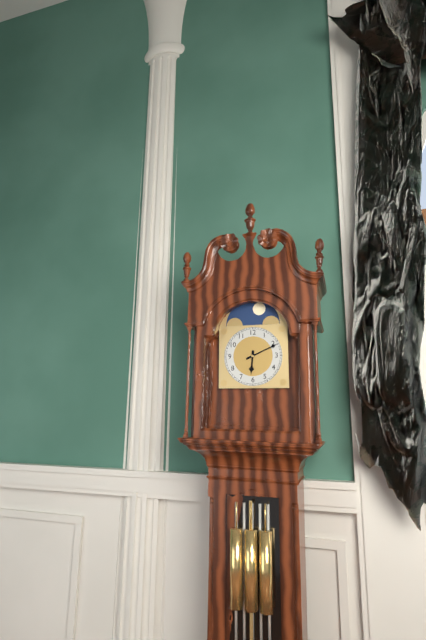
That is h=6 m=11
